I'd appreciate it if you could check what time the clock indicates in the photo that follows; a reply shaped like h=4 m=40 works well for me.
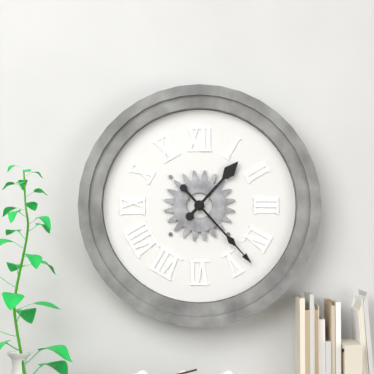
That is h=1 m=23
